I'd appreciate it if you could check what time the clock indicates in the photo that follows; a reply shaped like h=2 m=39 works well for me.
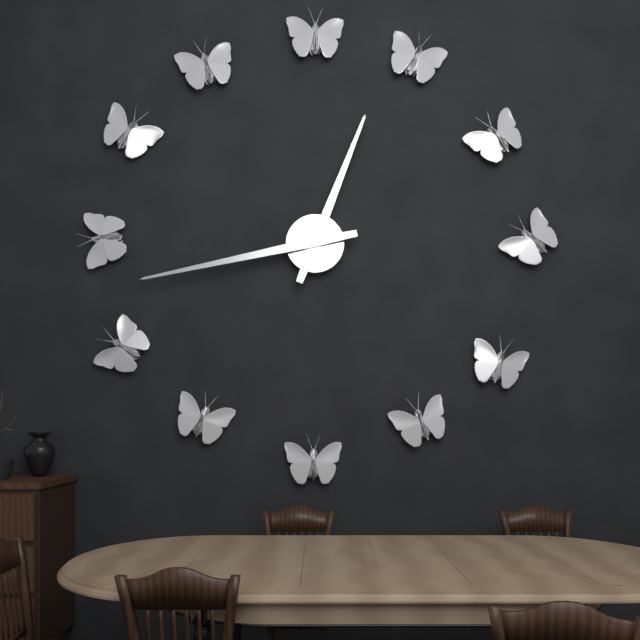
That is h=12 m=43
